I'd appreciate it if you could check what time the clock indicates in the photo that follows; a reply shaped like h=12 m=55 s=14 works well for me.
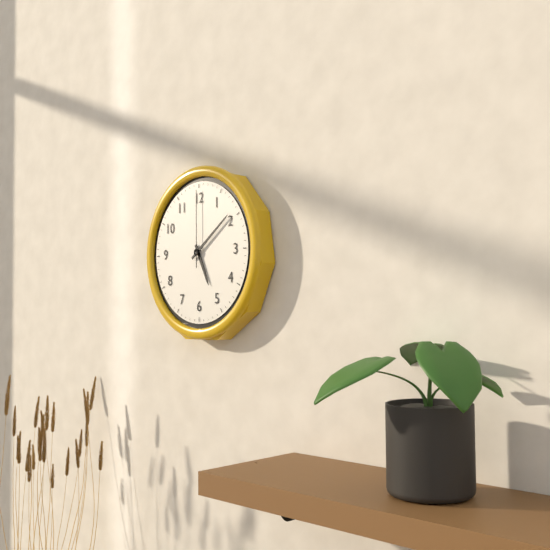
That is h=5 m=9 s=0
